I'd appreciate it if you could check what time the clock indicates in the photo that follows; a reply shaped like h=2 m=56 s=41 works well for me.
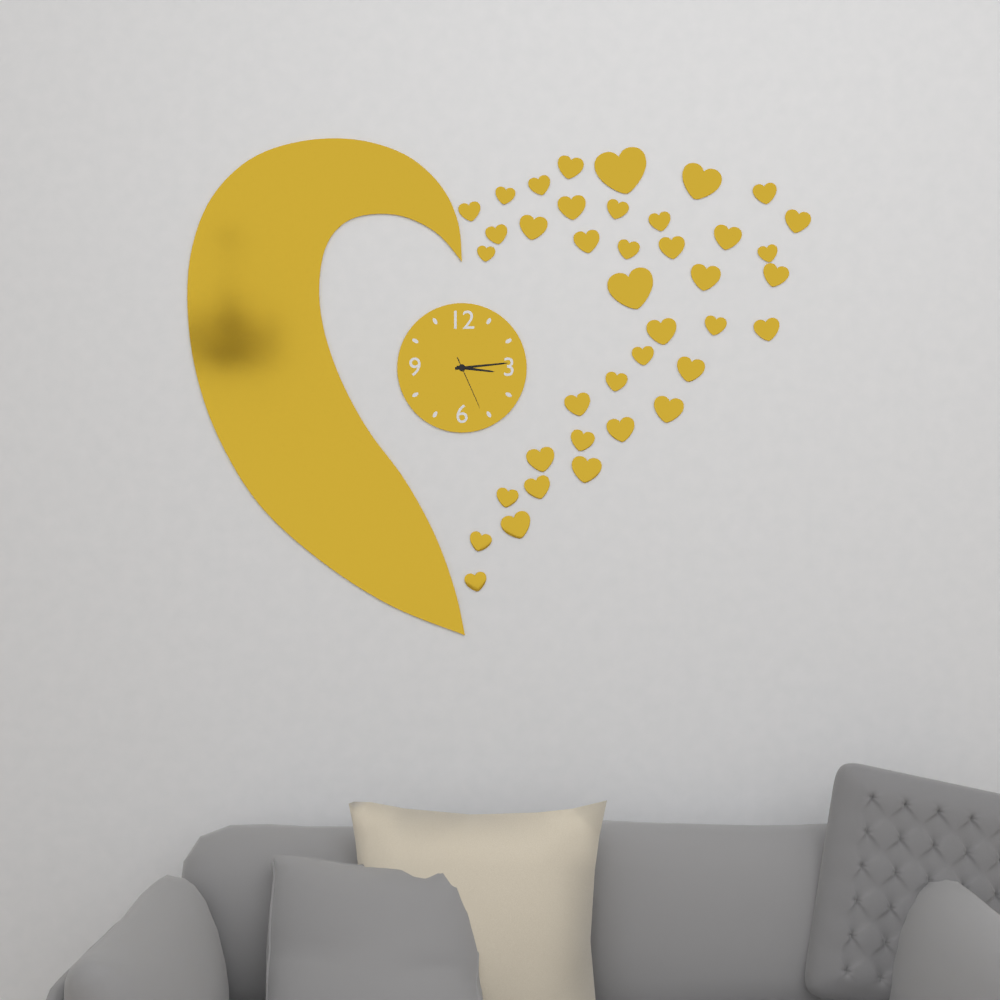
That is h=3 m=14 s=26
